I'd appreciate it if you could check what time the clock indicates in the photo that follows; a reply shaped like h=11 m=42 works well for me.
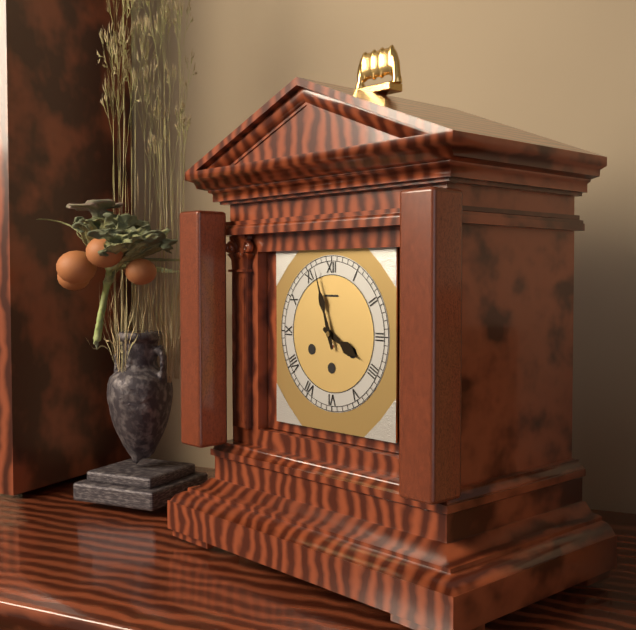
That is h=3 m=57
